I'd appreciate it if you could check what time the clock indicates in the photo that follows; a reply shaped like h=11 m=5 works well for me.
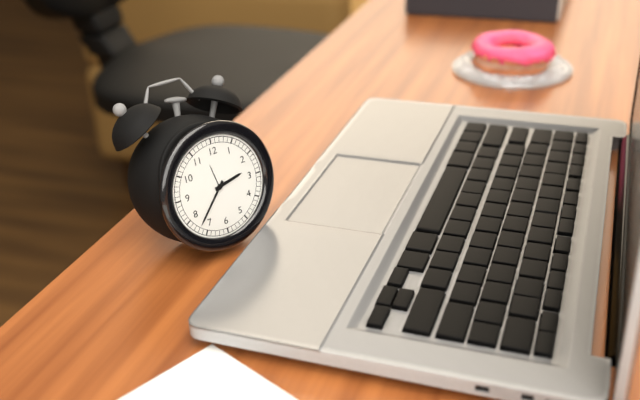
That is h=2 m=37
